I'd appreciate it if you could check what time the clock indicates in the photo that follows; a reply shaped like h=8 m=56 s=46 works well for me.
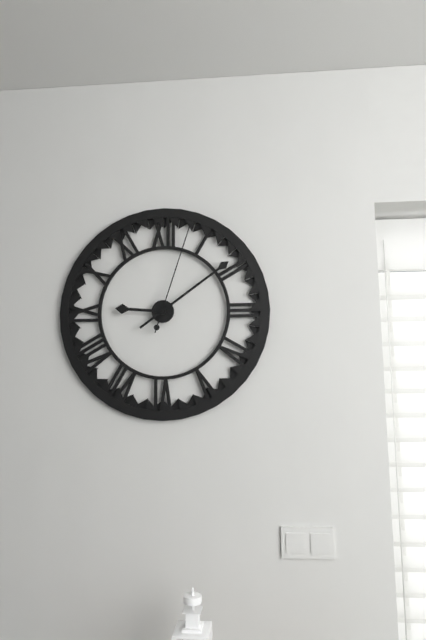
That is h=9 m=9 s=3
